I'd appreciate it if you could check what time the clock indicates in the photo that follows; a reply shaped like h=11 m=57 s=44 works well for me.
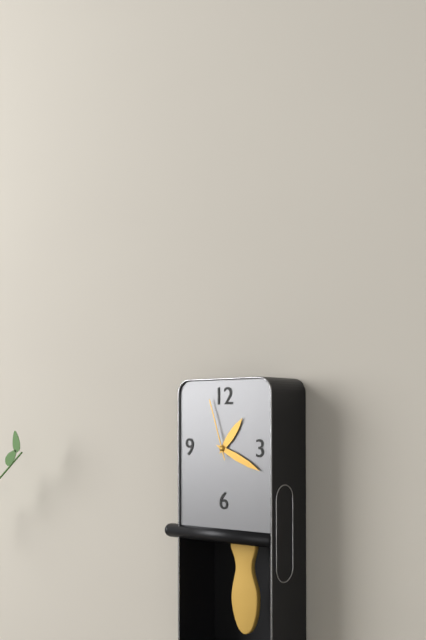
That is h=1 m=19 s=57
